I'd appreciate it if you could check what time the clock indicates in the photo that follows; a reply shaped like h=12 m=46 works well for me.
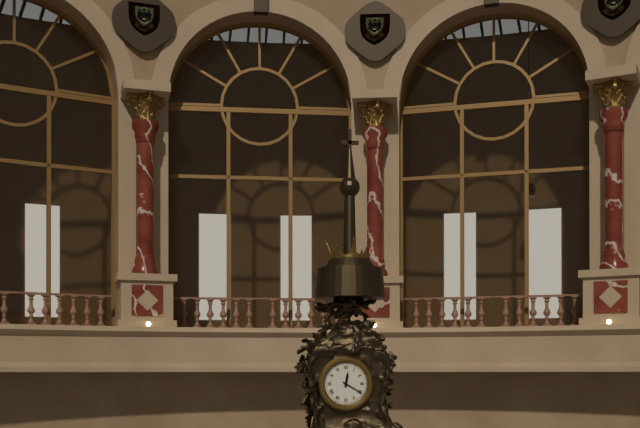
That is h=12 m=20
